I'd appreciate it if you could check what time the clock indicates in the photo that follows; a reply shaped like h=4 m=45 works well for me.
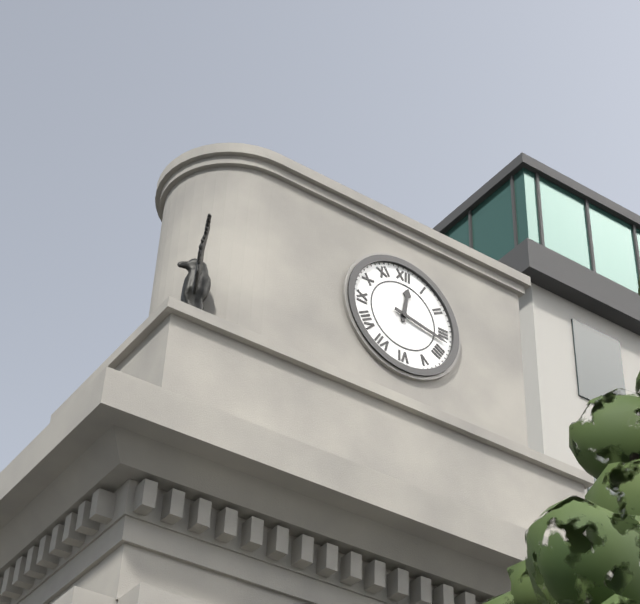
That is h=12 m=17
